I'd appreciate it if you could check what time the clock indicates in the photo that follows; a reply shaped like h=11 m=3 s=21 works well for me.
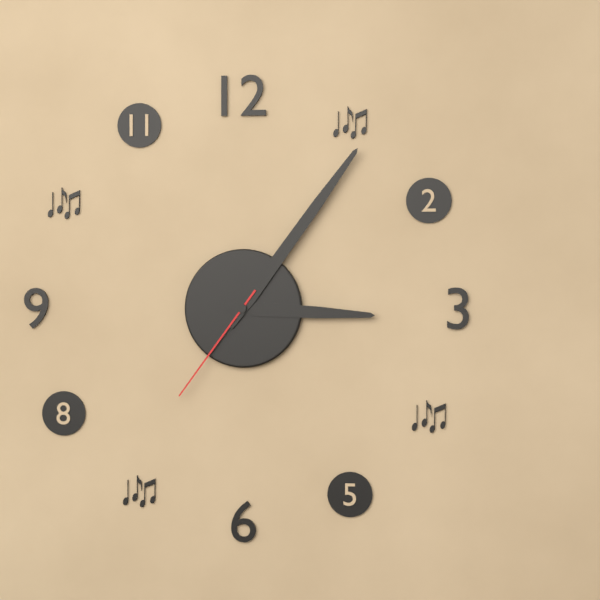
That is h=3 m=6 s=36
